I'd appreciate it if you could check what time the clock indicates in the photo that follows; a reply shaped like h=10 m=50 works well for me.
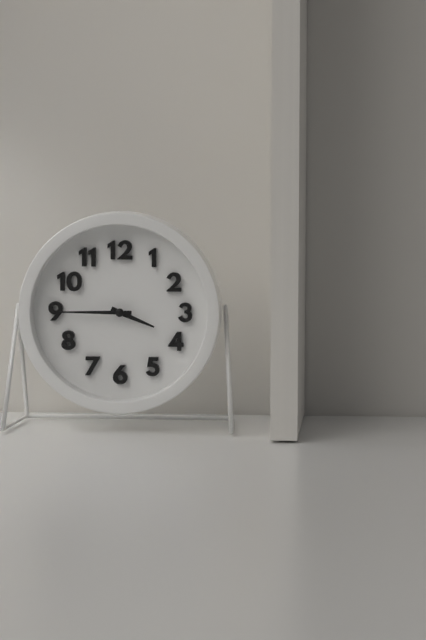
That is h=3 m=45
